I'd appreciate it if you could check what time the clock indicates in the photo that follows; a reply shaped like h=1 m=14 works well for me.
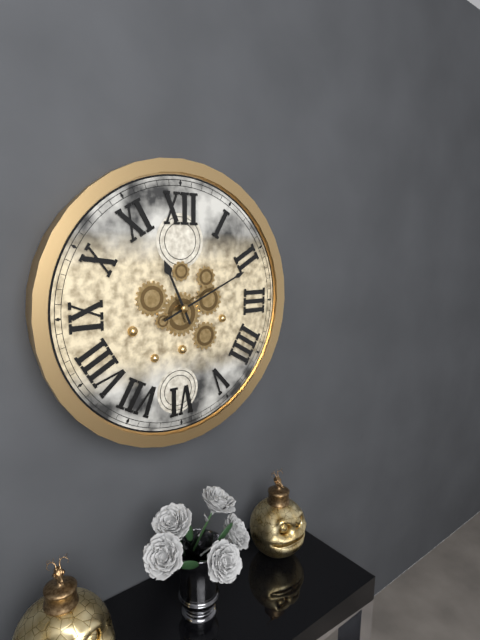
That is h=11 m=11
